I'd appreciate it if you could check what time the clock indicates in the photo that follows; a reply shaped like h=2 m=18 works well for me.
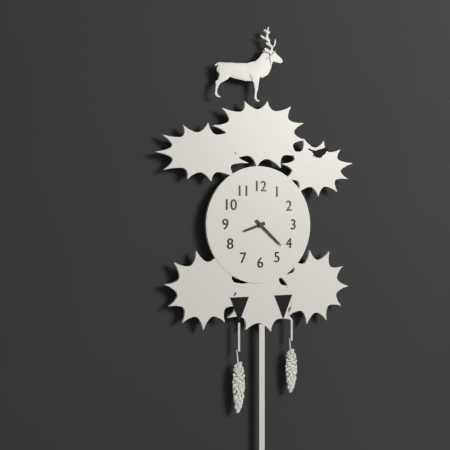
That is h=8 m=22
